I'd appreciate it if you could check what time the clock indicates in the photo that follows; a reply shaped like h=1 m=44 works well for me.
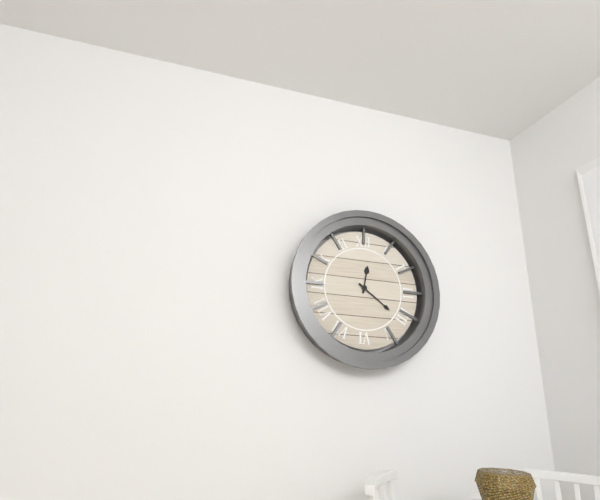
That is h=12 m=21
